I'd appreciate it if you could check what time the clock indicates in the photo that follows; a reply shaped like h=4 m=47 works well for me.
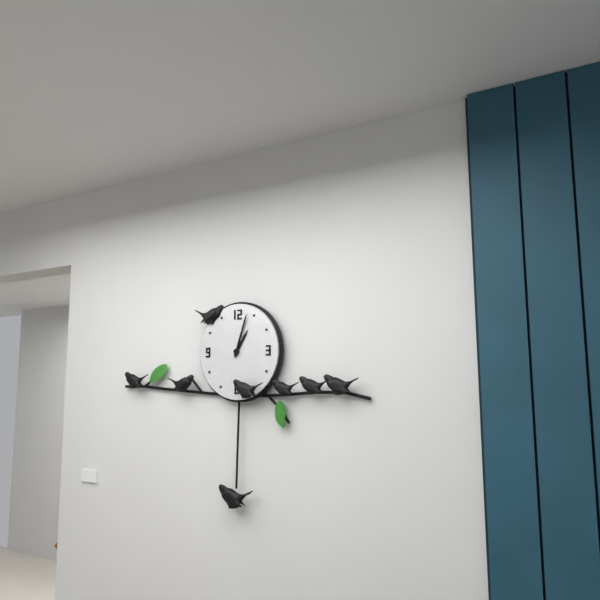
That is h=1 m=3
